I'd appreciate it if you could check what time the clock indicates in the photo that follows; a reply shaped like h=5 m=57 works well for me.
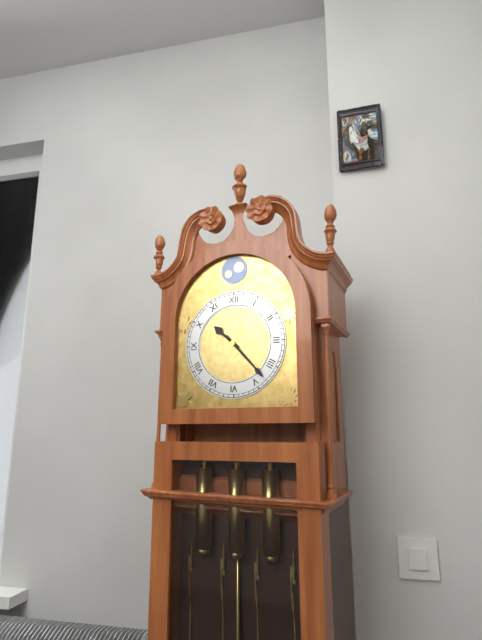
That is h=10 m=23
